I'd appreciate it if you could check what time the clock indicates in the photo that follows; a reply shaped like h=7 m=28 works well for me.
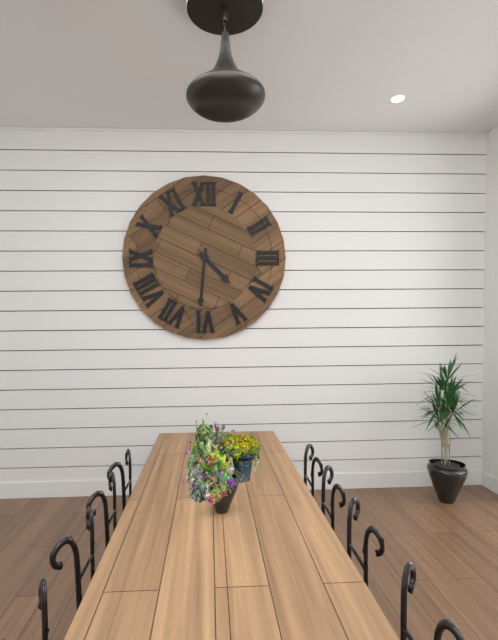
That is h=4 m=31
